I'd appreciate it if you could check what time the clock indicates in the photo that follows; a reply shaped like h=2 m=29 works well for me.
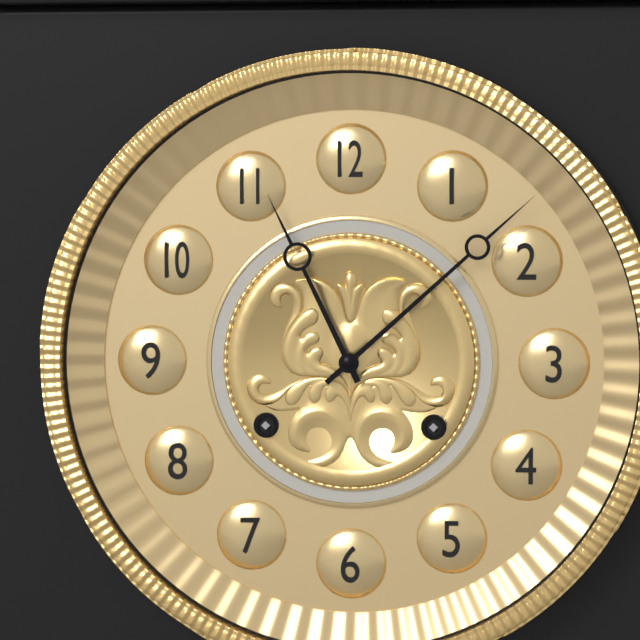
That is h=11 m=8
